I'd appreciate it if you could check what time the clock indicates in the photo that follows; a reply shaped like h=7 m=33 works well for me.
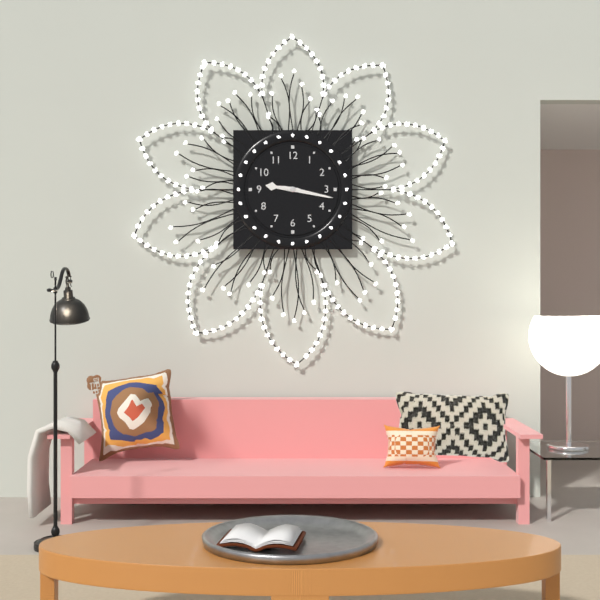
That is h=9 m=17
